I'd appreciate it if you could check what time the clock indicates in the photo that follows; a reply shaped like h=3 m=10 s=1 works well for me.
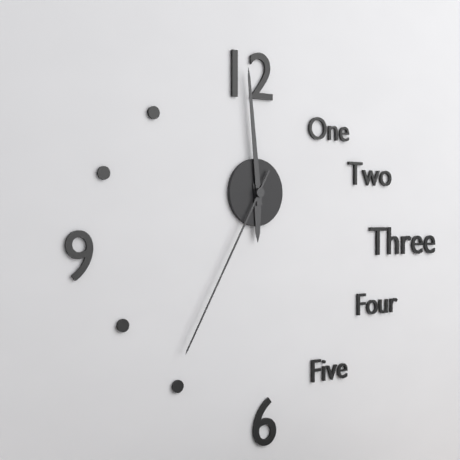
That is h=5 m=59 s=35
